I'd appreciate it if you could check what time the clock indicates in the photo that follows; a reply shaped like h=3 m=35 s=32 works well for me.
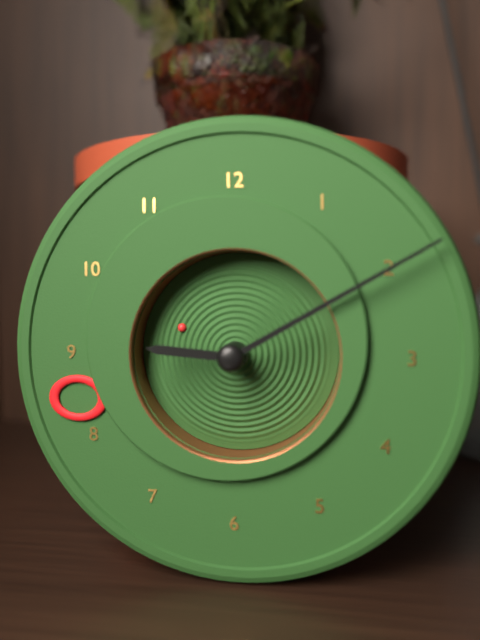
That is h=9 m=10 s=49
